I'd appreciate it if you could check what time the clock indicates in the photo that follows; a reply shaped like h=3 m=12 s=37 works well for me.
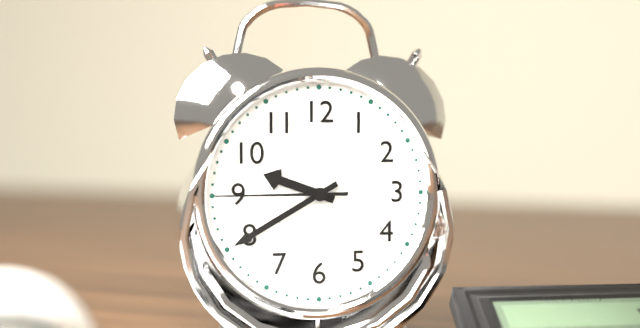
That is h=9 m=40 s=45
